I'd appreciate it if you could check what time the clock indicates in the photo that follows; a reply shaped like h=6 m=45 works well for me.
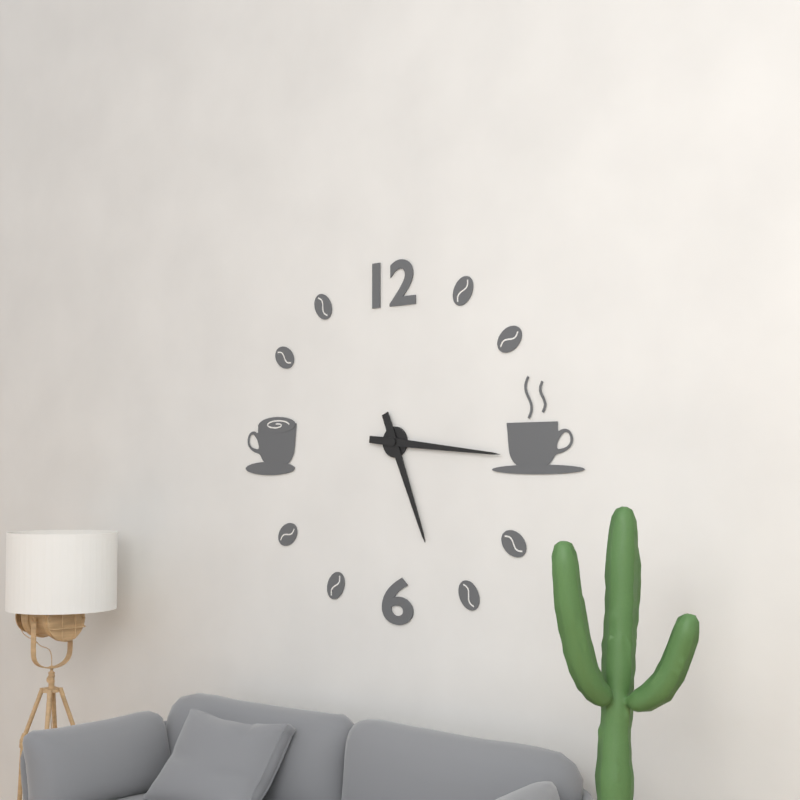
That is h=5 m=16
